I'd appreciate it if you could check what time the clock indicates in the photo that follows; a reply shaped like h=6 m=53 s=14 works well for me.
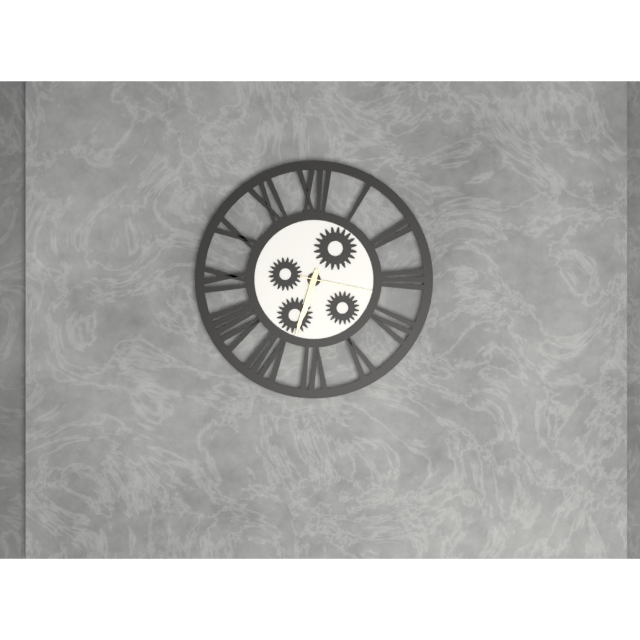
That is h=6 m=33 s=17
